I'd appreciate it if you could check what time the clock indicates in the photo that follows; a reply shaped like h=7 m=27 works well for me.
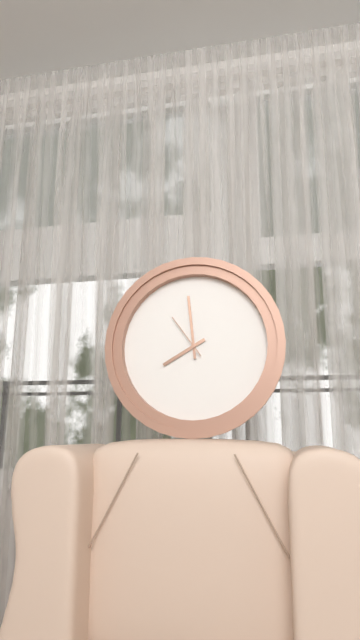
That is h=7 m=59
